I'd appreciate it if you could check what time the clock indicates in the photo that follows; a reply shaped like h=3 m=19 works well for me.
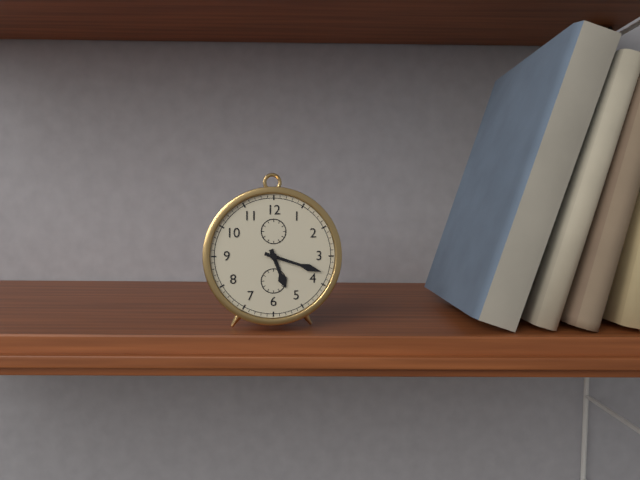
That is h=5 m=18
